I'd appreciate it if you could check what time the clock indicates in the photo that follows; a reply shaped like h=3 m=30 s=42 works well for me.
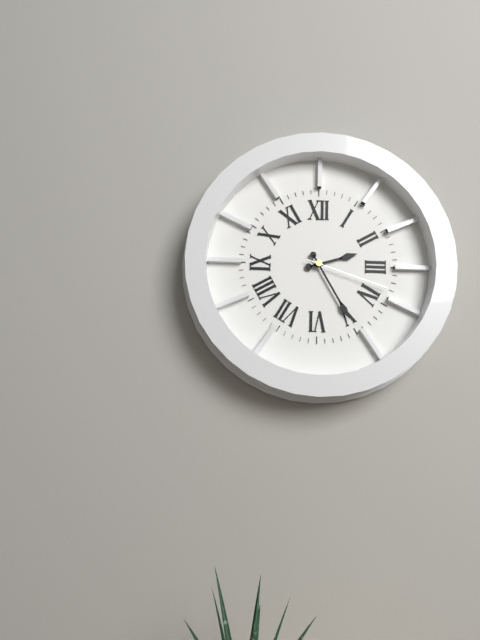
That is h=2 m=25 s=18
